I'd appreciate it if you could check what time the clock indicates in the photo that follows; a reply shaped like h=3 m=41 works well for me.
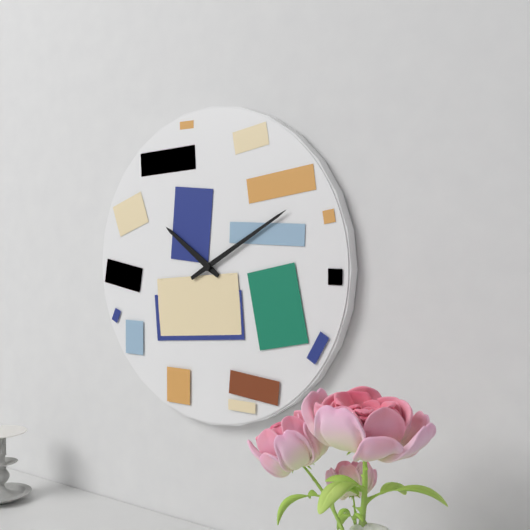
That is h=10 m=10
